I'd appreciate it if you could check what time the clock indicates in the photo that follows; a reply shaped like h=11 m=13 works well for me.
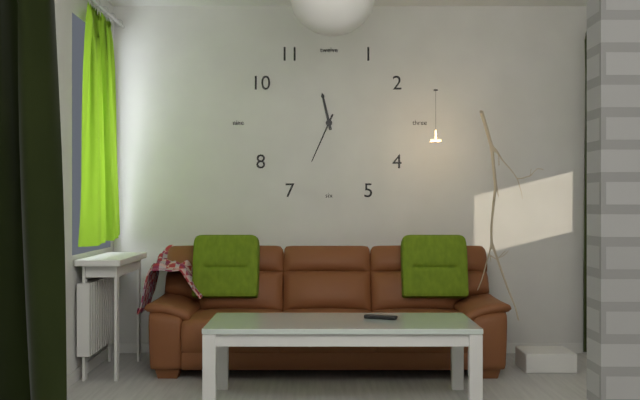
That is h=11 m=34
